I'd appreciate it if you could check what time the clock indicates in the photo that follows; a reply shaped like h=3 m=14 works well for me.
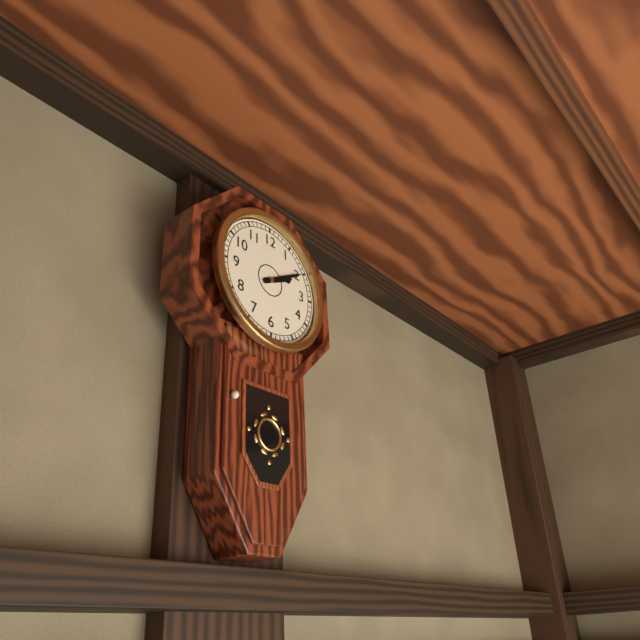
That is h=2 m=10
